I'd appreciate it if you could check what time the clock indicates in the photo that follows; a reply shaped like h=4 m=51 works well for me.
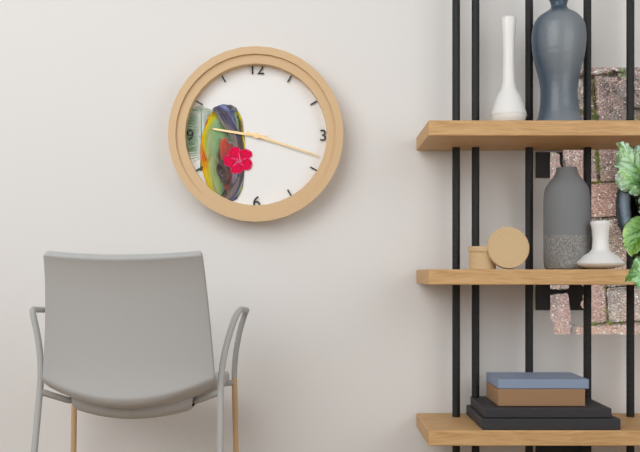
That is h=9 m=18
